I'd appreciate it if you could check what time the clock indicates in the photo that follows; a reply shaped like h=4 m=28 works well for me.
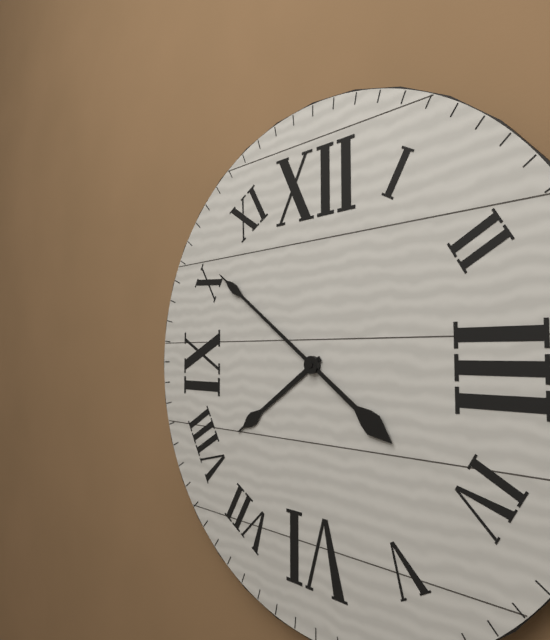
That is h=7 m=51
